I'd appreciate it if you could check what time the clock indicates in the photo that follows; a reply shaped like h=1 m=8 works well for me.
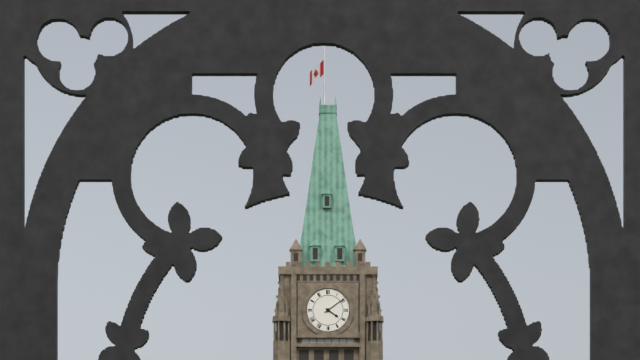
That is h=4 m=9
